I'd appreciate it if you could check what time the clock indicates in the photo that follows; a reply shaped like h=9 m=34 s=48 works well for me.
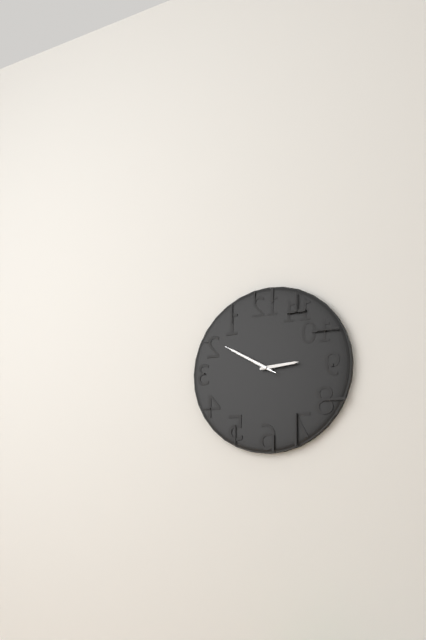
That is h=2 m=50 s=50
